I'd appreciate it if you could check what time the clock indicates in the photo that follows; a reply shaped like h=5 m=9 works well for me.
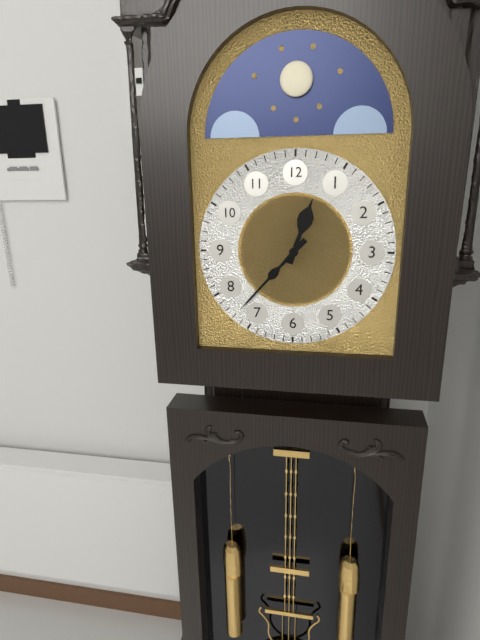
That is h=12 m=37
